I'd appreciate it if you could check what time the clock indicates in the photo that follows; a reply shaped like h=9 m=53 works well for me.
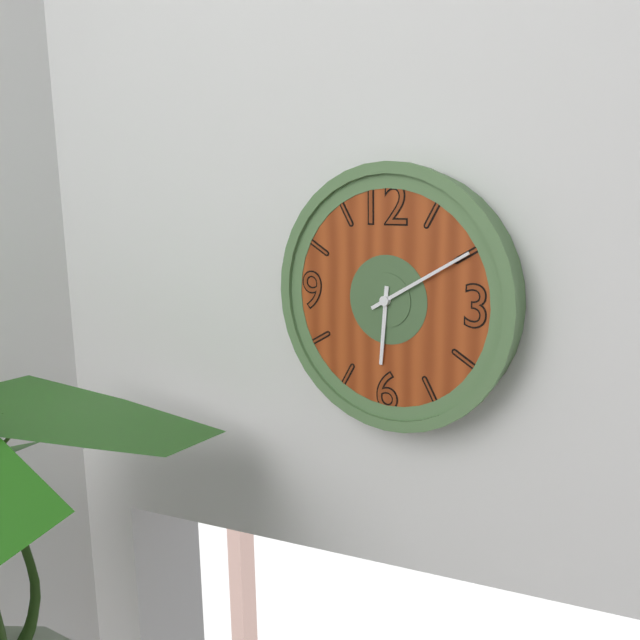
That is h=6 m=10
